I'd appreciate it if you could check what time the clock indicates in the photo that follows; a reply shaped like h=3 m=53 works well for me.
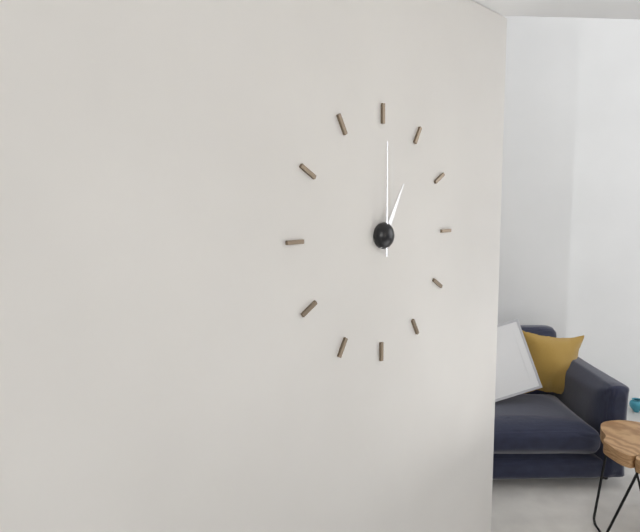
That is h=1 m=0
